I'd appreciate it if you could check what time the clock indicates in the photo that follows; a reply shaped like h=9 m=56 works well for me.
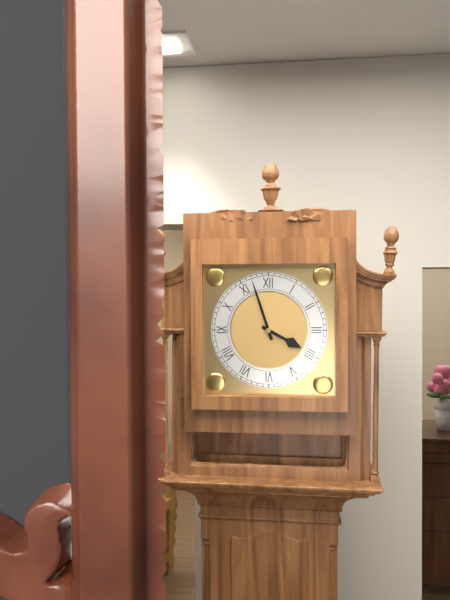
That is h=3 m=57
